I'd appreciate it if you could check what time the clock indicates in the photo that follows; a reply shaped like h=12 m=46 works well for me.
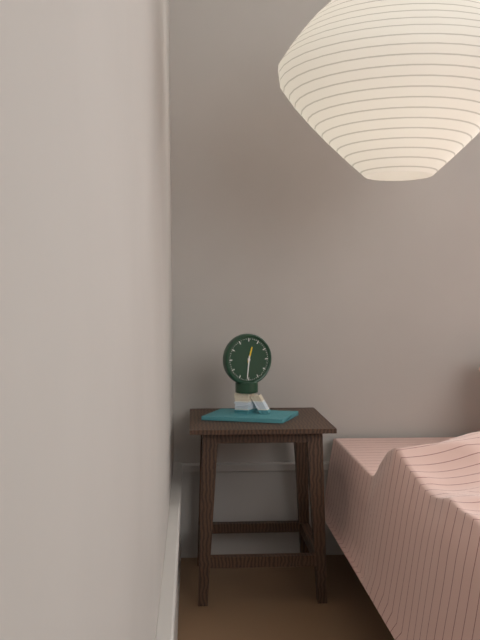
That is h=12 m=31
